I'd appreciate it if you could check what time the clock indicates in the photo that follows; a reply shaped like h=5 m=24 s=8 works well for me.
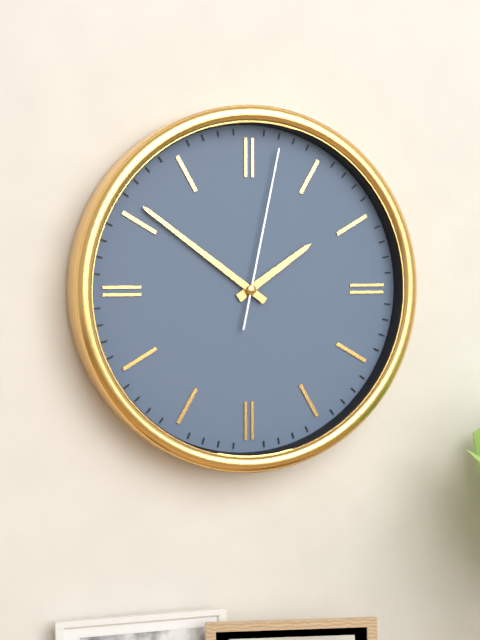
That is h=1 m=51 s=2
